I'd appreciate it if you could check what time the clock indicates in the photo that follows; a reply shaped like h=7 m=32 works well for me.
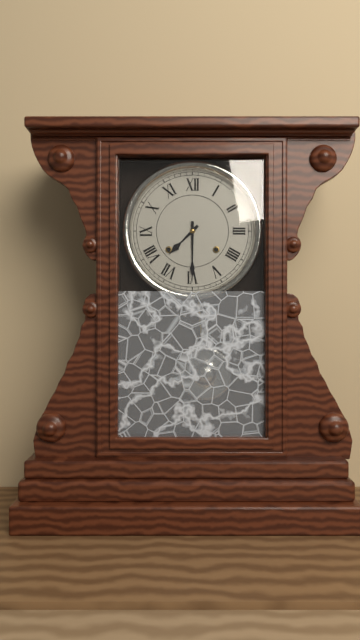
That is h=7 m=30
